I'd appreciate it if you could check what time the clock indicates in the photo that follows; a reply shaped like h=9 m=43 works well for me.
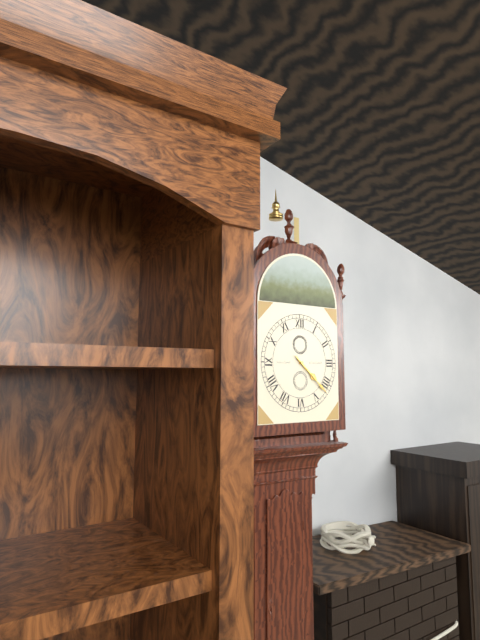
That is h=4 m=22
